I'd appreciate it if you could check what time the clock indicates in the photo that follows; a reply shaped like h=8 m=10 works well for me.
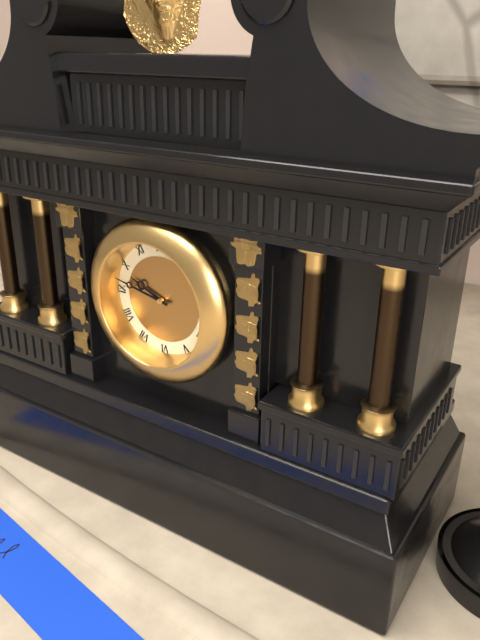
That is h=9 m=47
